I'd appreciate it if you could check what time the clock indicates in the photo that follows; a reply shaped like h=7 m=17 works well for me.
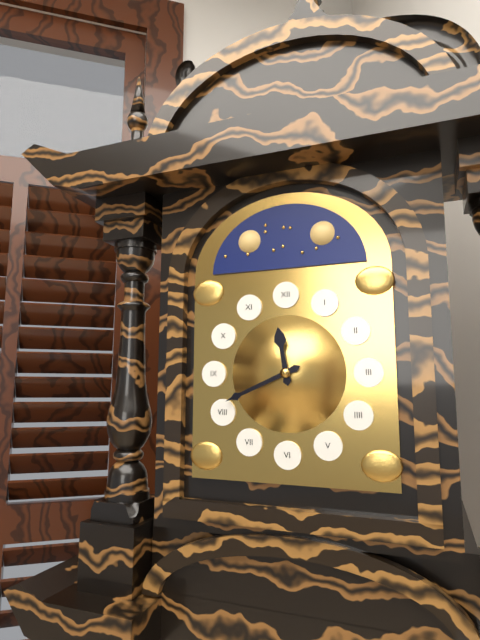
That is h=11 m=41
